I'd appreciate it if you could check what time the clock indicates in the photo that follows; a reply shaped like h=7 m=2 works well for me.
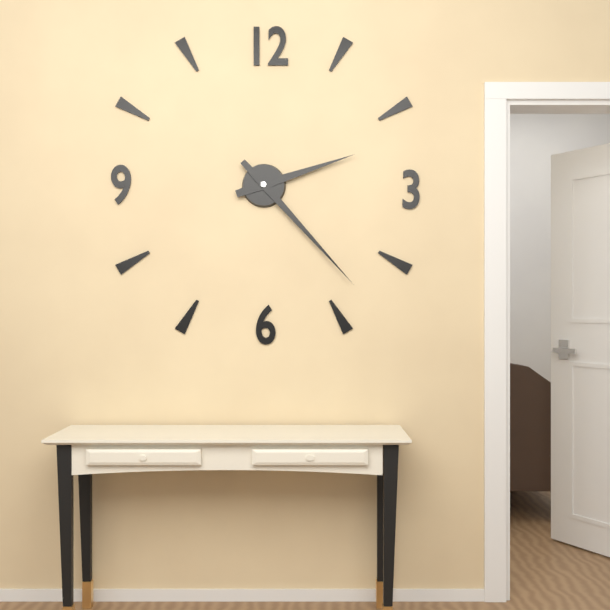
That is h=2 m=23
